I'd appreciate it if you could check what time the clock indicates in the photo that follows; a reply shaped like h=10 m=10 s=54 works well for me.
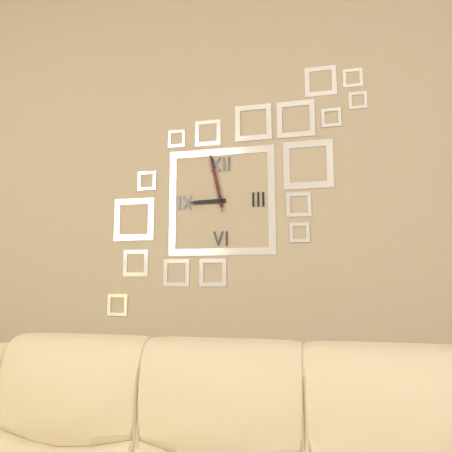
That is h=8 m=58 s=58
